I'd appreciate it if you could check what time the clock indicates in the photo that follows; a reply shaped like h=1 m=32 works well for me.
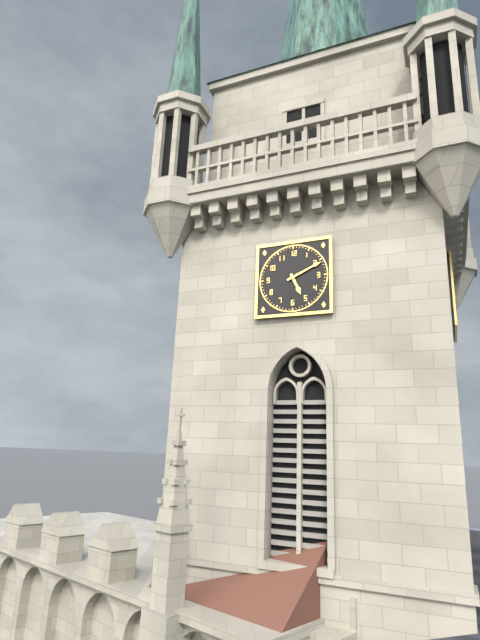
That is h=5 m=11
